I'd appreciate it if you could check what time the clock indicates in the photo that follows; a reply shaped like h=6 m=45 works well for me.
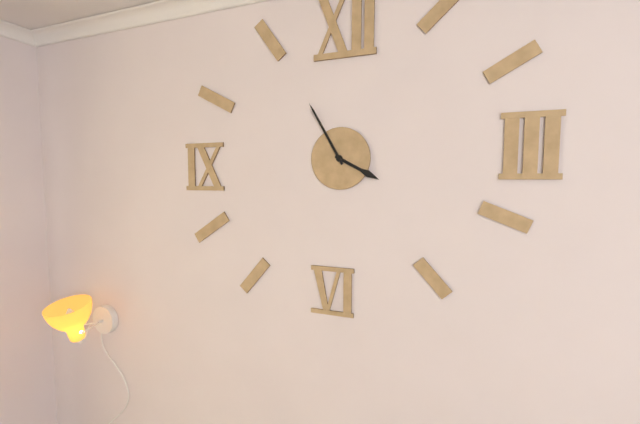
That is h=3 m=55
